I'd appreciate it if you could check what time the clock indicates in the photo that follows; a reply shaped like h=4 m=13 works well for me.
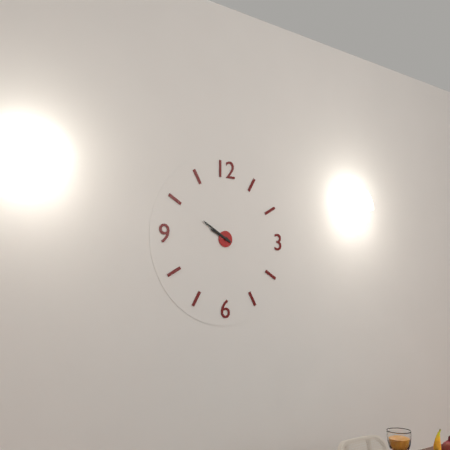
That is h=9 m=50
